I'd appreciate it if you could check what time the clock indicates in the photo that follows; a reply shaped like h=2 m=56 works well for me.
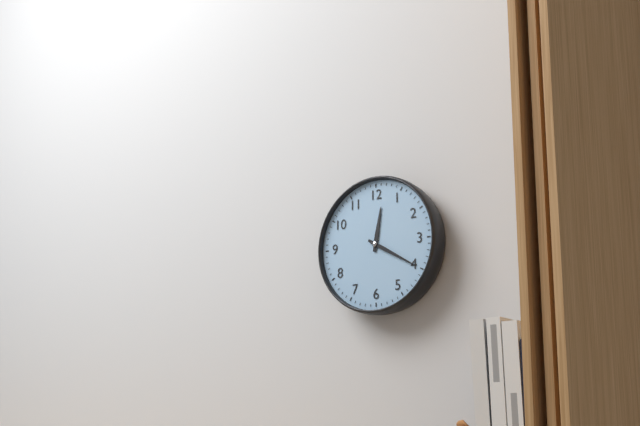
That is h=12 m=20
